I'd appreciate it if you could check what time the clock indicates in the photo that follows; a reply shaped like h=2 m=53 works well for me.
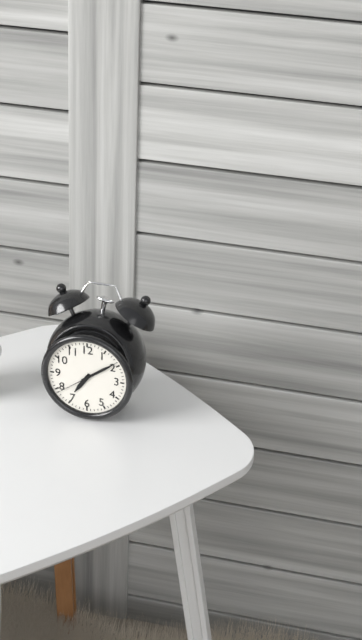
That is h=7 m=9
